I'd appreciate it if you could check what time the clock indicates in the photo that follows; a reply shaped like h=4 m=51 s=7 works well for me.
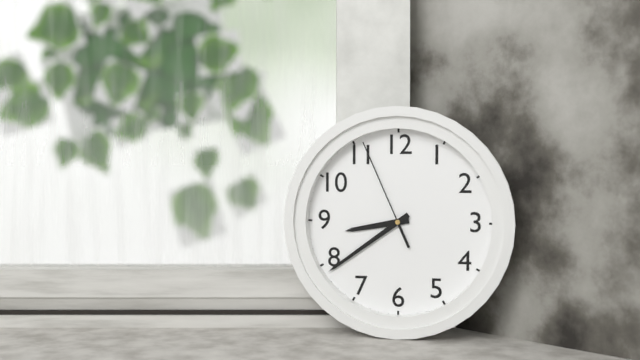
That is h=8 m=39 s=56
